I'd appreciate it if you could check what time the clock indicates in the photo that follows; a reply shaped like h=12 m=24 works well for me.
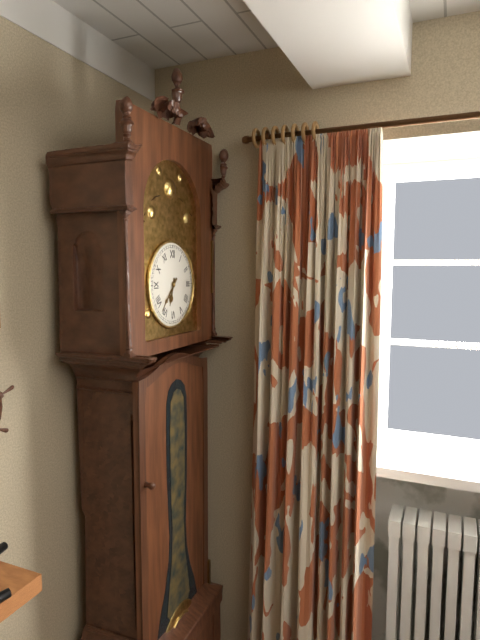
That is h=6 m=37
